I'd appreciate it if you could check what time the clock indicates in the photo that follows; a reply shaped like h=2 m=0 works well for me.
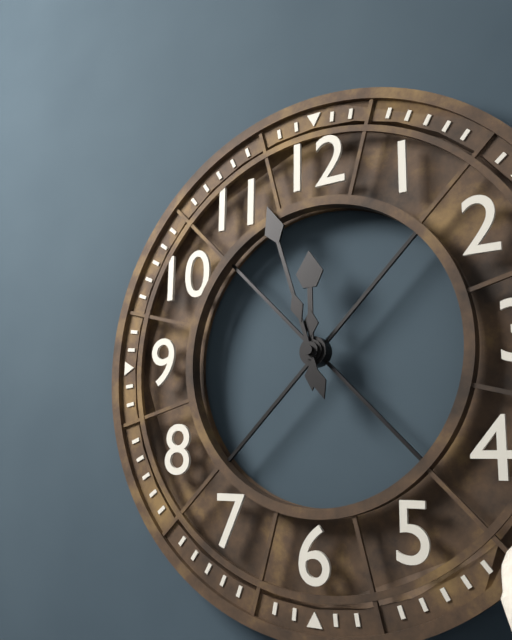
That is h=11 m=57
